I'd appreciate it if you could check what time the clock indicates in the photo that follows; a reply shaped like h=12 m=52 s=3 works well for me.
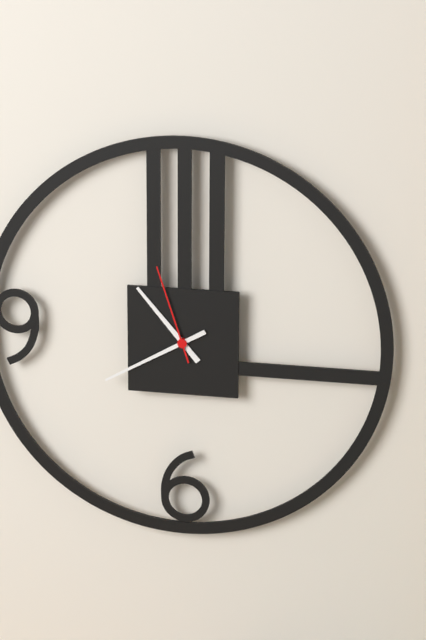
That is h=10 m=40 s=57
